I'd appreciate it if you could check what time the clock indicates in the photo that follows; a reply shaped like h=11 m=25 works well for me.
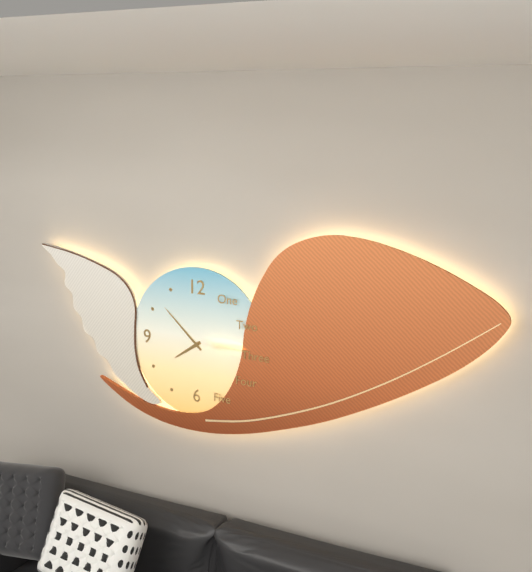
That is h=7 m=52
